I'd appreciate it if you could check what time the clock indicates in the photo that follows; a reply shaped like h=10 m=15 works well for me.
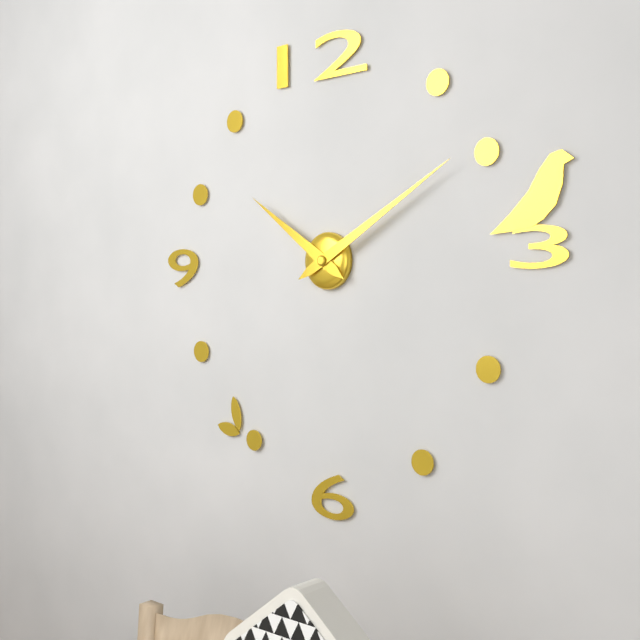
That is h=10 m=10
